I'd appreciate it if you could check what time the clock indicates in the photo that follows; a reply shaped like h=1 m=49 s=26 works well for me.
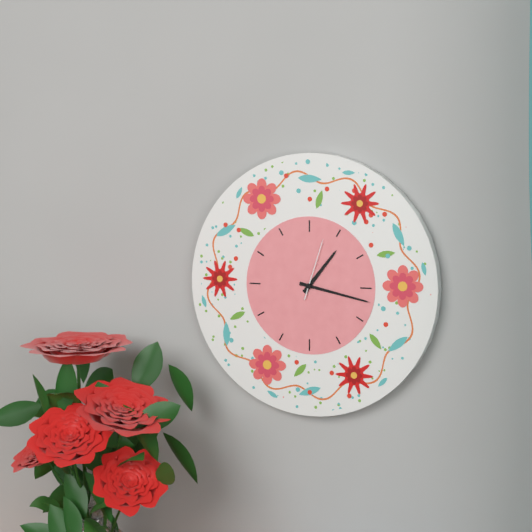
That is h=1 m=17 s=3
